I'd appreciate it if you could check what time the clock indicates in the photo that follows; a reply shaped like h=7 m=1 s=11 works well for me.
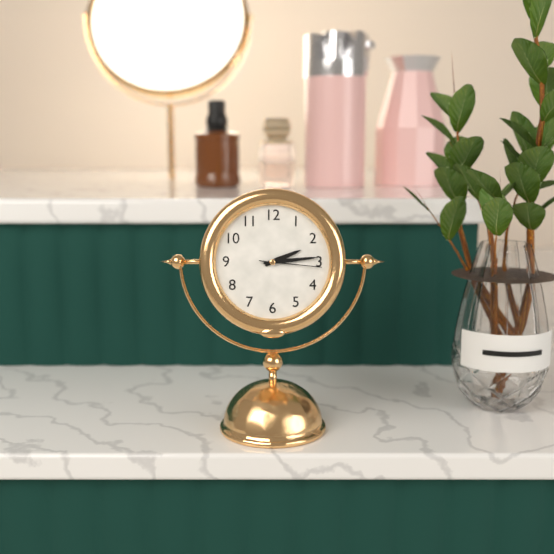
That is h=2 m=14 s=16
